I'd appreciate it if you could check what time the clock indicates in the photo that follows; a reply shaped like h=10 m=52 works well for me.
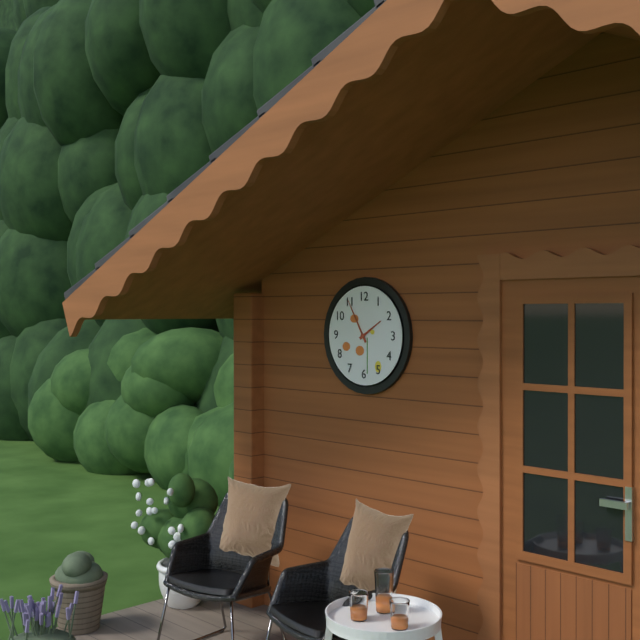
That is h=1 m=55
